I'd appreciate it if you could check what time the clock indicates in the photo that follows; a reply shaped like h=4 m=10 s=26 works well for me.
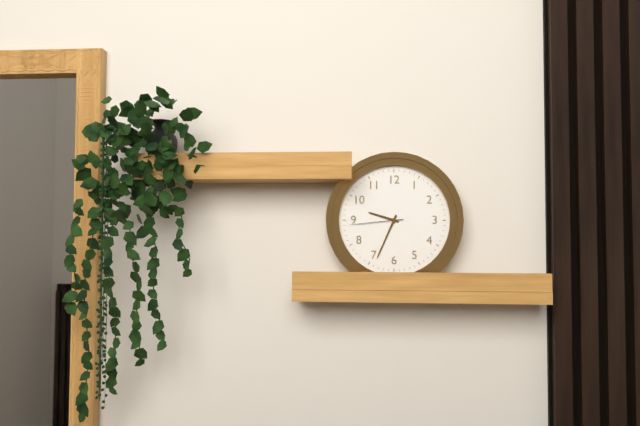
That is h=9 m=34 s=44
